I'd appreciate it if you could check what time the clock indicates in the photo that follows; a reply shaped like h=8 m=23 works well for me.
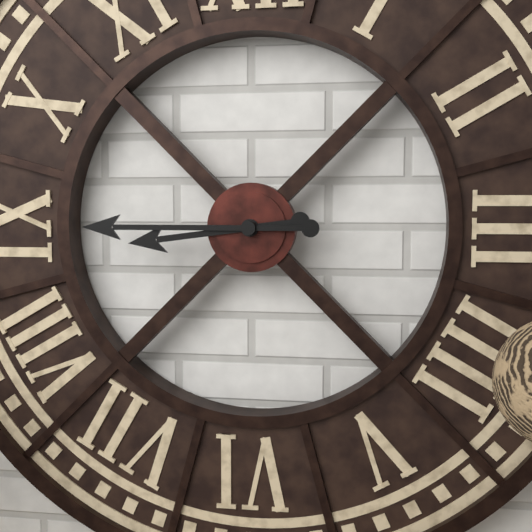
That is h=8 m=45
